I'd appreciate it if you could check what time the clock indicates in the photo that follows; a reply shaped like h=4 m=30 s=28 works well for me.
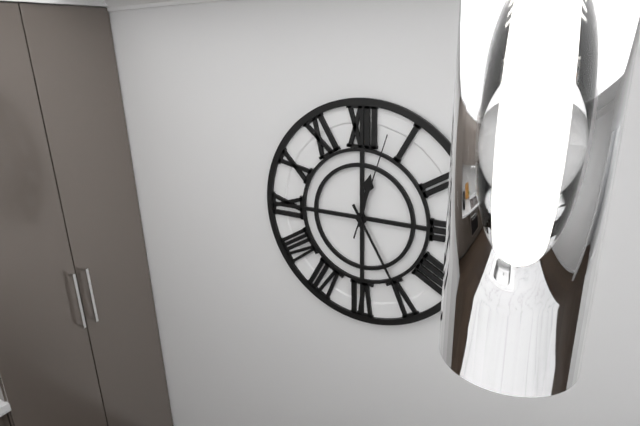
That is h=12 m=25 s=3
